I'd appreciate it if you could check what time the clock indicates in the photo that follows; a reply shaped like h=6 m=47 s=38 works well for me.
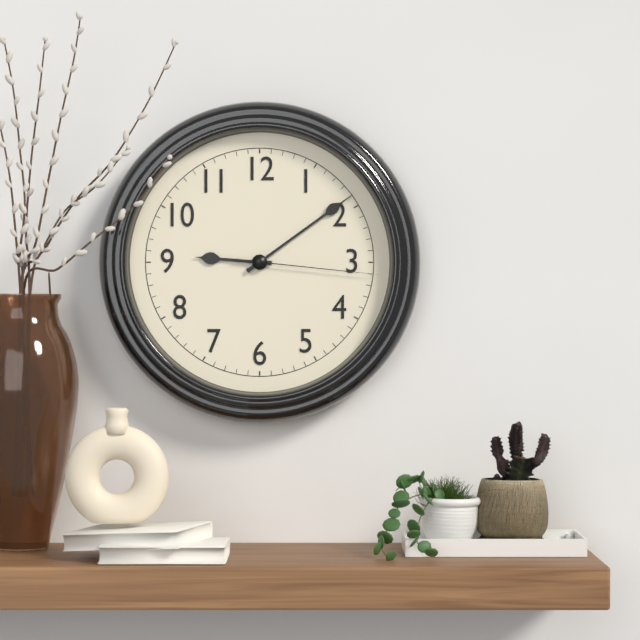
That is h=9 m=9 s=16
